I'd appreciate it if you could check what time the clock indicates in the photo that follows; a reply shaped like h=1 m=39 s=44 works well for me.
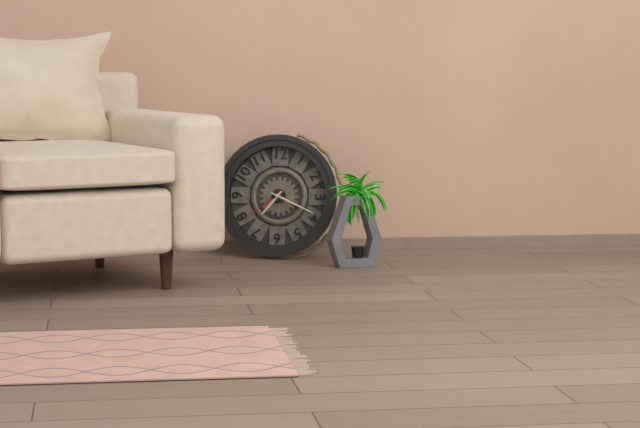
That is h=7 m=19 s=39
